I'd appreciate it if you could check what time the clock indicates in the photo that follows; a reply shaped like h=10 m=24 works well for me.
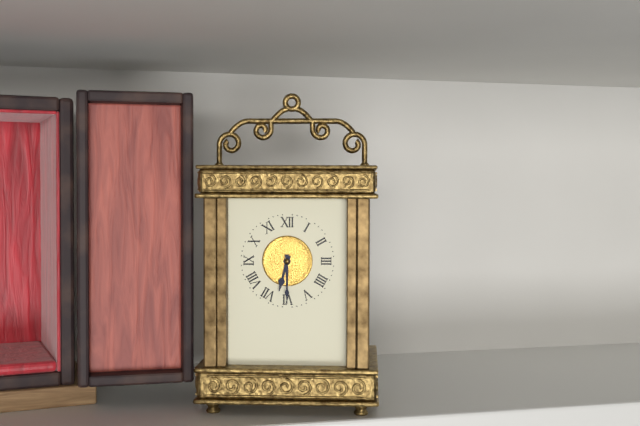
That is h=6 m=30
